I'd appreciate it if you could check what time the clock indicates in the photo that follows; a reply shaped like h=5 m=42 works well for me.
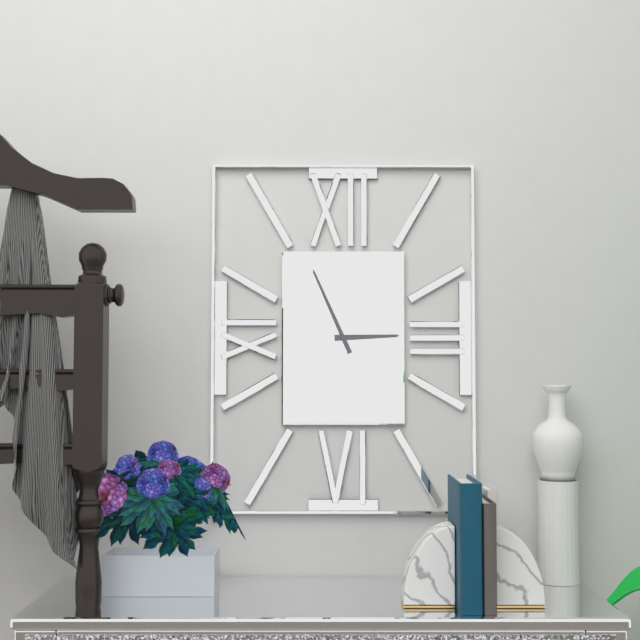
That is h=2 m=56
